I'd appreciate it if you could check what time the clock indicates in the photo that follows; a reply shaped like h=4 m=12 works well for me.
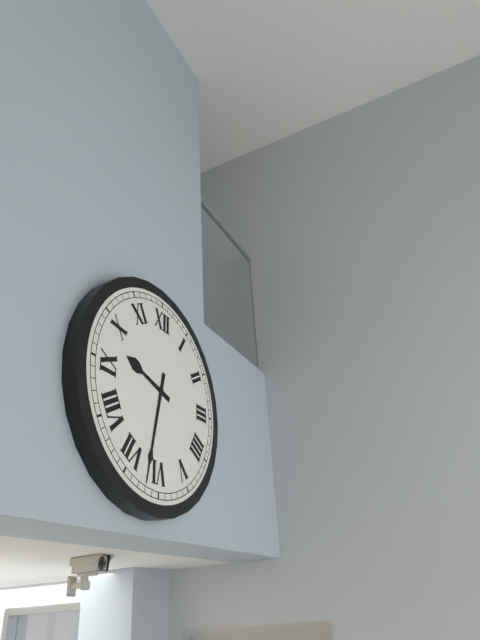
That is h=9 m=32
